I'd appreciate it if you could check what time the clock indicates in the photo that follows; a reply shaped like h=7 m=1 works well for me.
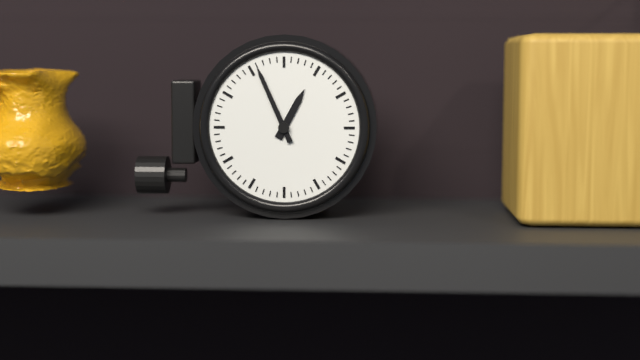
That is h=12 m=56
